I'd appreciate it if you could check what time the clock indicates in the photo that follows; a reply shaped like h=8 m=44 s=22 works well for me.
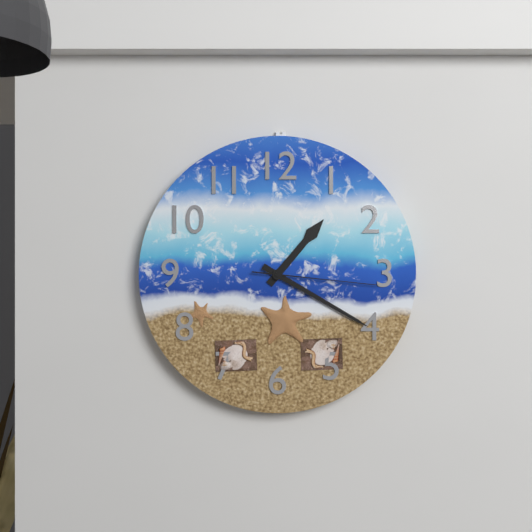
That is h=1 m=20 s=16
